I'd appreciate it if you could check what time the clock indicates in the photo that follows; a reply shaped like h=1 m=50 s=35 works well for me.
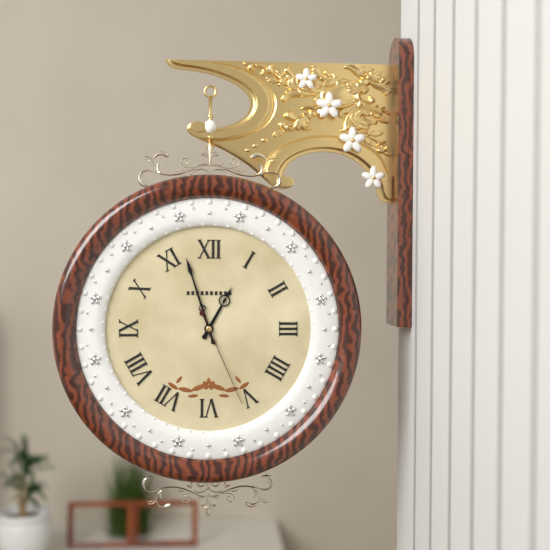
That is h=12 m=57 s=26
